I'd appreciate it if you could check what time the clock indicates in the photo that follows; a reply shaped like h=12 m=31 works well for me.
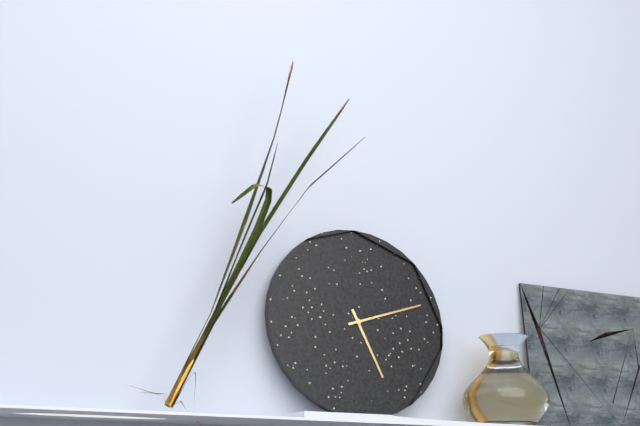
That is h=5 m=12
